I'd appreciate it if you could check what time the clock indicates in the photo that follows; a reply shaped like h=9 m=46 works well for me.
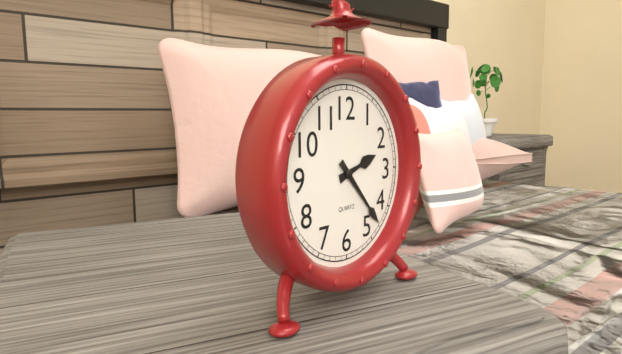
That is h=2 m=23
